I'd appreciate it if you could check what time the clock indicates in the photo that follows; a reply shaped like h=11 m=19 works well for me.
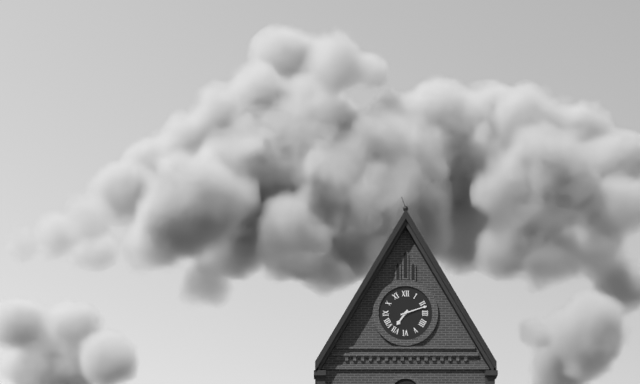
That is h=7 m=12
